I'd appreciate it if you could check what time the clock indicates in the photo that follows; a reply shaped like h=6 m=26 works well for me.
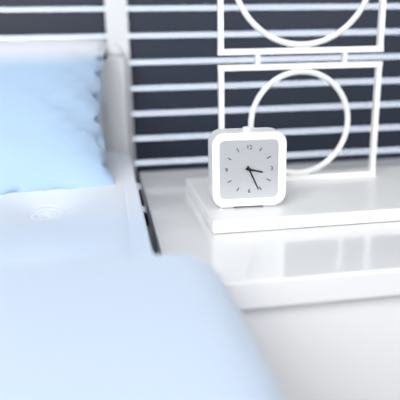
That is h=3 m=26
